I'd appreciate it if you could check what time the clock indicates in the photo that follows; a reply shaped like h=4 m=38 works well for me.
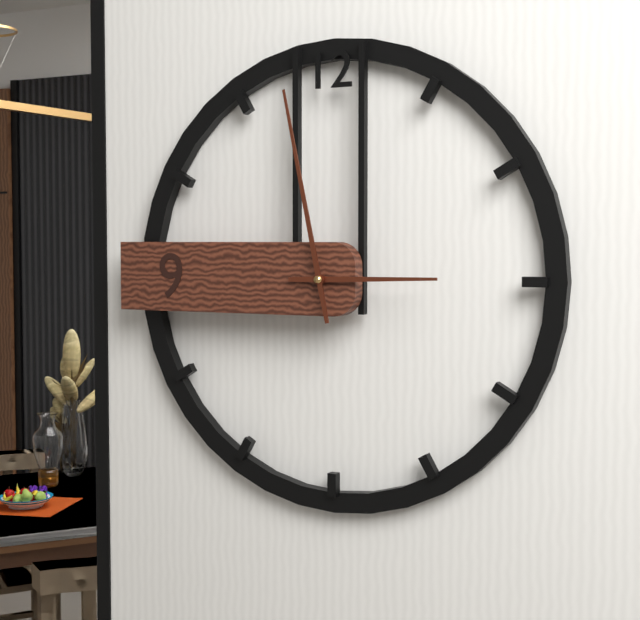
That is h=2 m=58
